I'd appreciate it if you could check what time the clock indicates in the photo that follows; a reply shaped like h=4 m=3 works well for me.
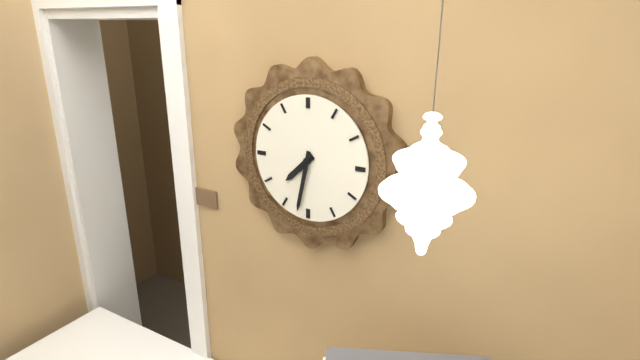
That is h=7 m=32
